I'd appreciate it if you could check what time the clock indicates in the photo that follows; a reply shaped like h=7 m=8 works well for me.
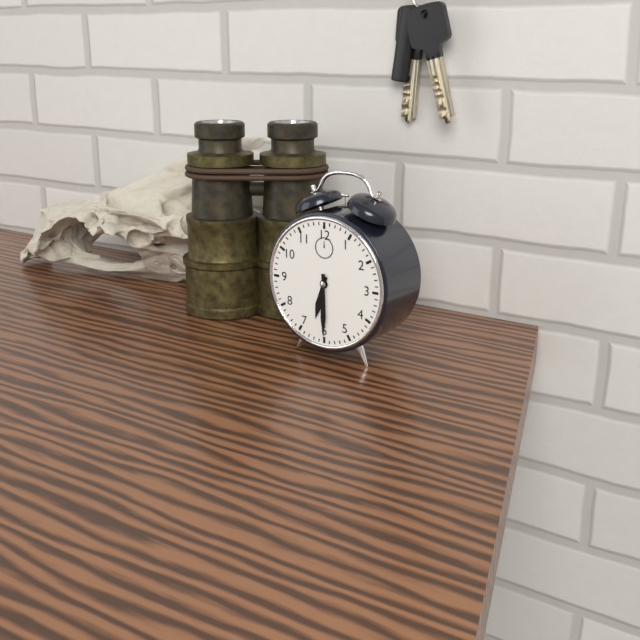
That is h=6 m=30
